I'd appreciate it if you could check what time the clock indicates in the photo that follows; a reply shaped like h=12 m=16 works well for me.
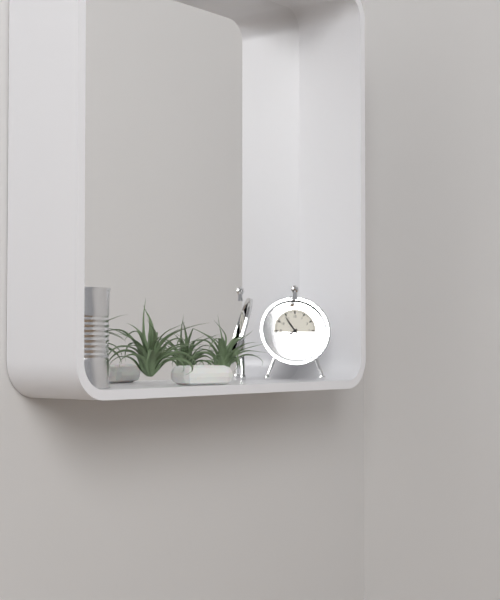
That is h=7 m=54
